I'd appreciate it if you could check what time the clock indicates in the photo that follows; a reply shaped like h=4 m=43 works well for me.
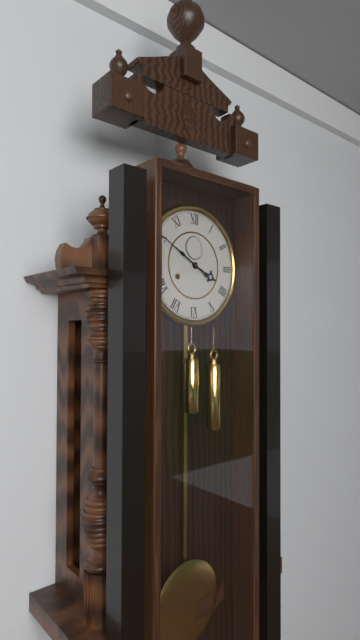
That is h=3 m=50
